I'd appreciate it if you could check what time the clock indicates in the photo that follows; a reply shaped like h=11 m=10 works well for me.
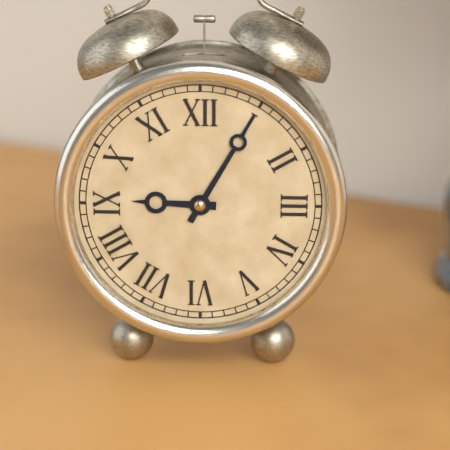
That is h=9 m=5
